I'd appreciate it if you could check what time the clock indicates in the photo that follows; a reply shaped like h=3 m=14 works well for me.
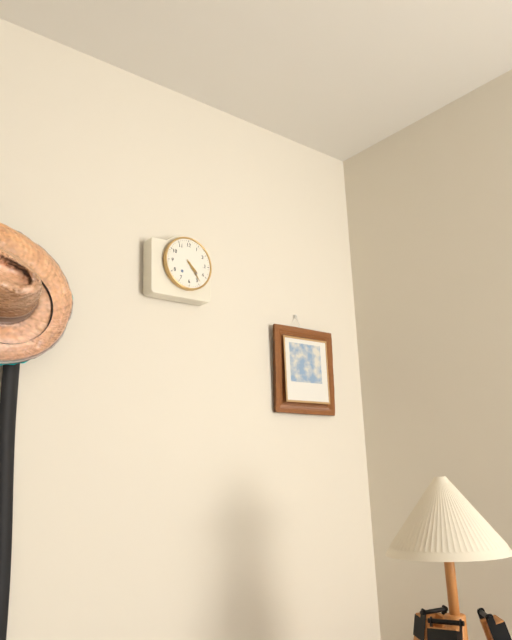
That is h=4 m=24
